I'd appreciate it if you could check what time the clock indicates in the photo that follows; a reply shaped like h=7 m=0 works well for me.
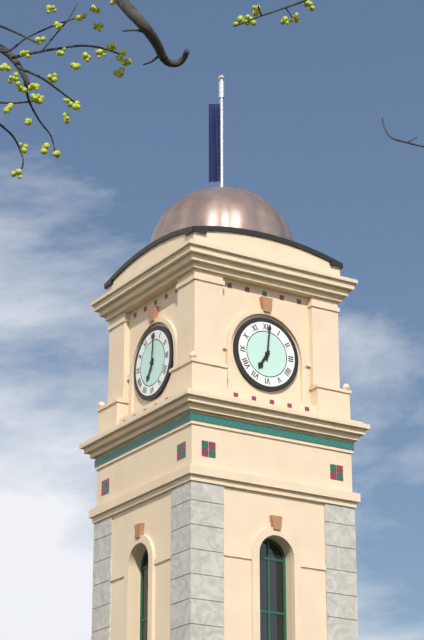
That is h=7 m=1
